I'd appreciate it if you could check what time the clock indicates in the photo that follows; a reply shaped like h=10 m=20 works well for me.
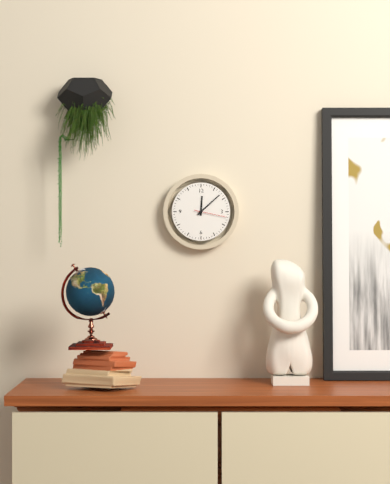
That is h=12 m=8
